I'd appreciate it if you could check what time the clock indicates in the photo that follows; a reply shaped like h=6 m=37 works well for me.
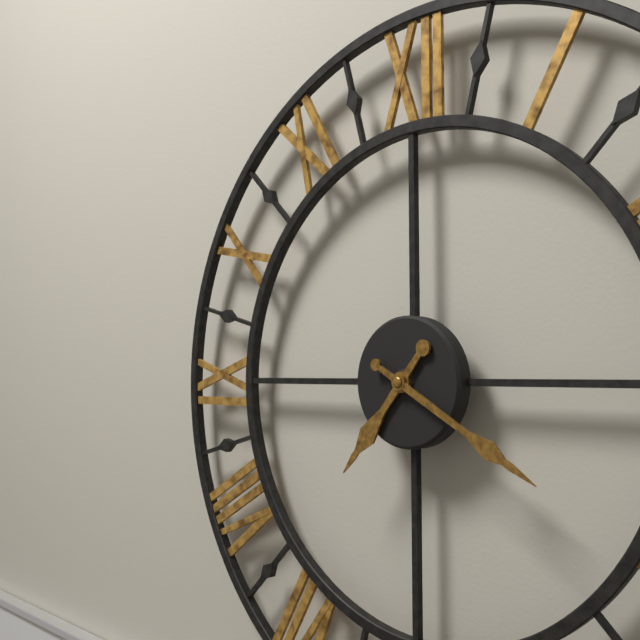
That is h=7 m=20
